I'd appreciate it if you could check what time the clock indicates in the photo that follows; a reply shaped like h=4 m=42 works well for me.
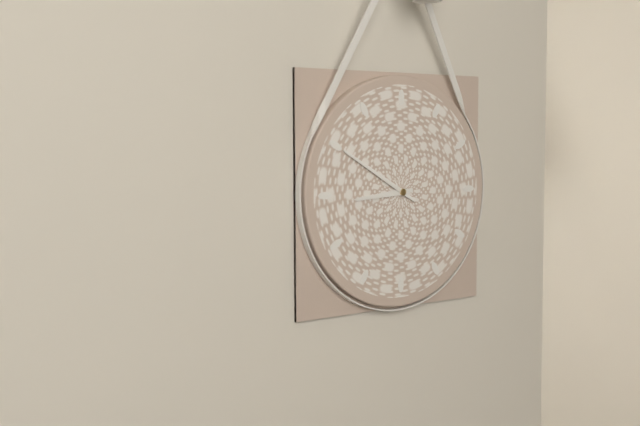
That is h=8 m=50
